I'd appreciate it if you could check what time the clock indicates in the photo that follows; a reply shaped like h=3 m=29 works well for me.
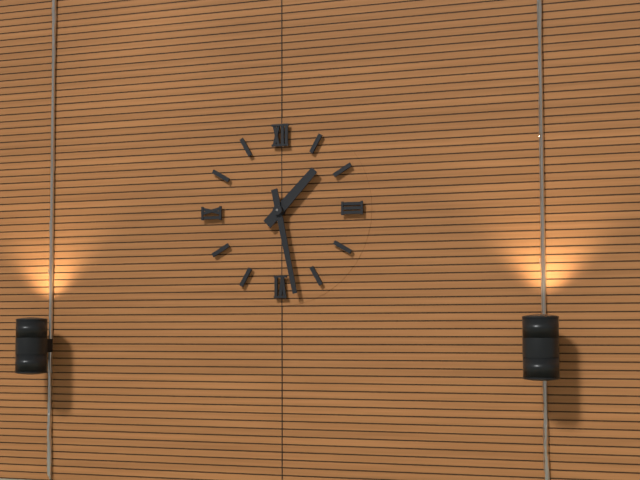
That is h=1 m=28
